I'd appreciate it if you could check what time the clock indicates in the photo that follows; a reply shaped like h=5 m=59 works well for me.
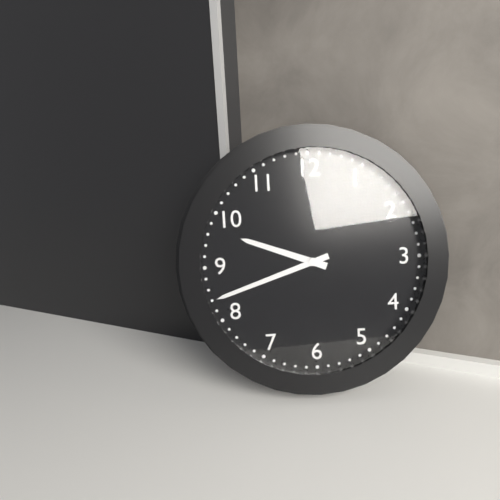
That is h=9 m=42
